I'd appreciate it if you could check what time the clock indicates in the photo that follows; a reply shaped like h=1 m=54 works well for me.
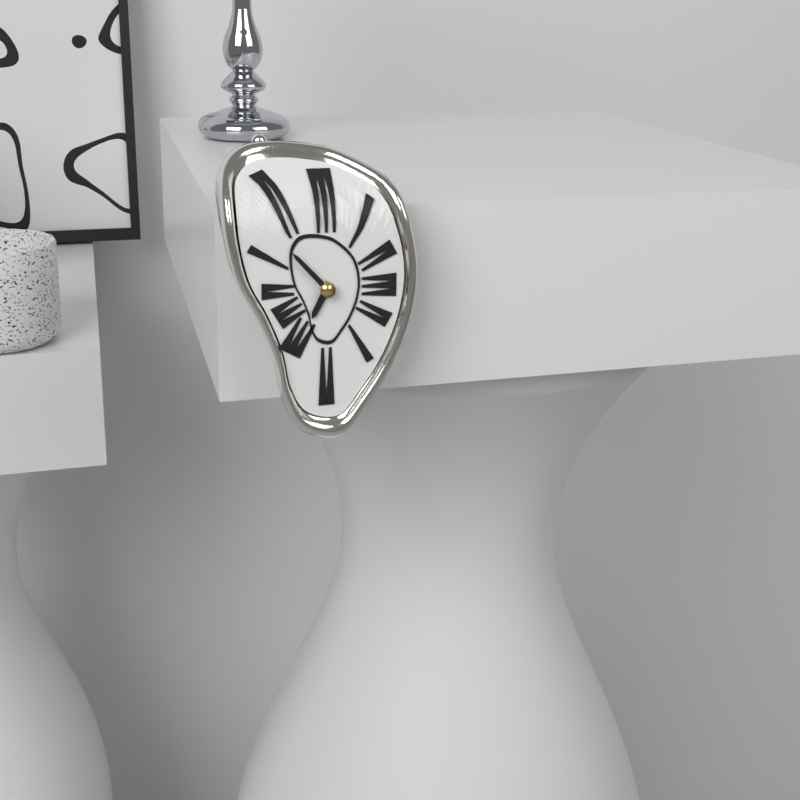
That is h=6 m=53
